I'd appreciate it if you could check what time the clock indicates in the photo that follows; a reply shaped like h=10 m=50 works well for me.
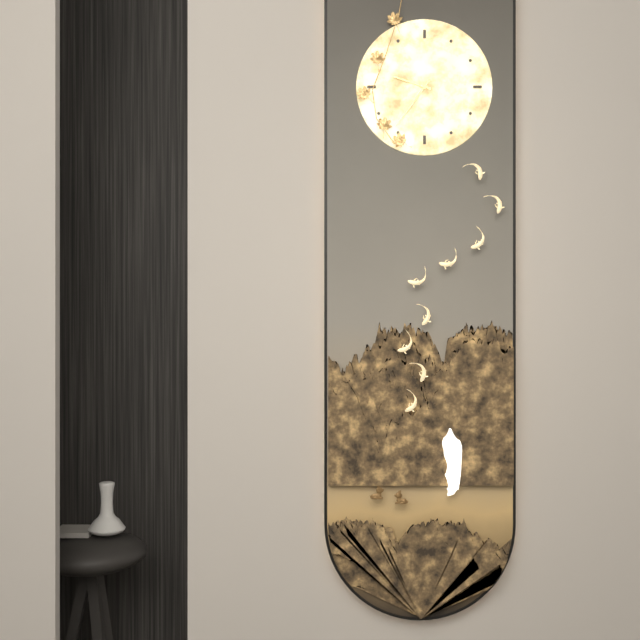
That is h=9 m=36
